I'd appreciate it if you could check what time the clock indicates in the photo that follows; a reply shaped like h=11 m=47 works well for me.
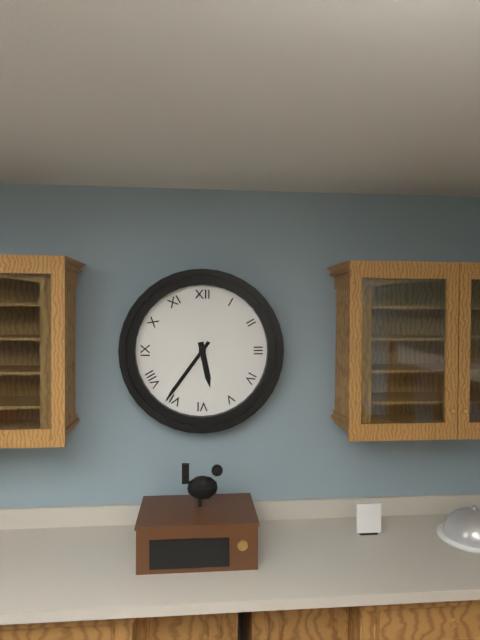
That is h=5 m=36
